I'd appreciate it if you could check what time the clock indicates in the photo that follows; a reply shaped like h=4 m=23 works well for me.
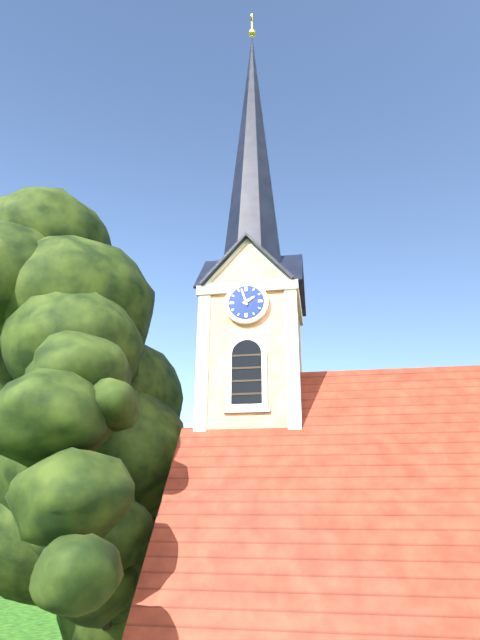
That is h=1 m=57
